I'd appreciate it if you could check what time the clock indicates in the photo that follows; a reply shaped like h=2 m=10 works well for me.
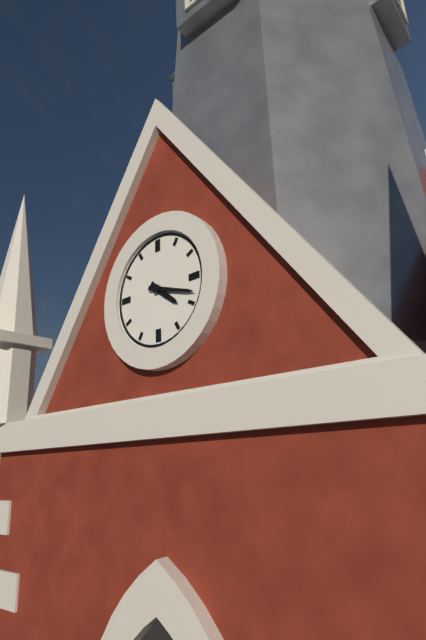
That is h=4 m=18
